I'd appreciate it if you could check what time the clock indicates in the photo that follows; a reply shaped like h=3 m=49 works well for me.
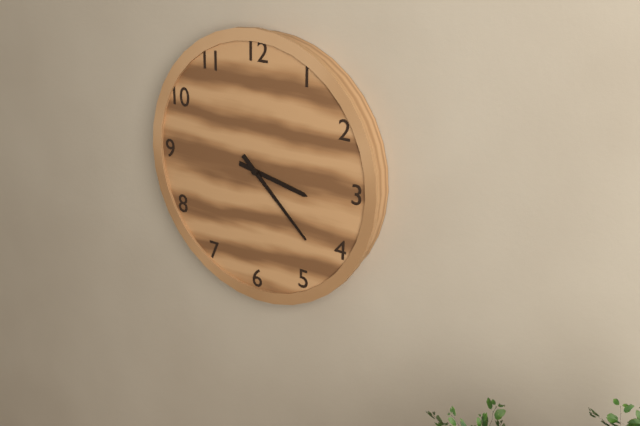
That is h=3 m=22
